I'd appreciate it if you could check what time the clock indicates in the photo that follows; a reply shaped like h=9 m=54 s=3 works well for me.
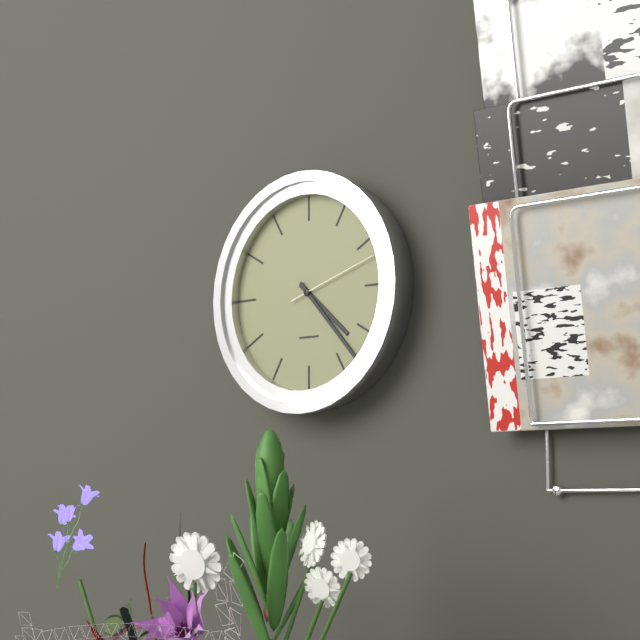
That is h=4 m=23 s=12
